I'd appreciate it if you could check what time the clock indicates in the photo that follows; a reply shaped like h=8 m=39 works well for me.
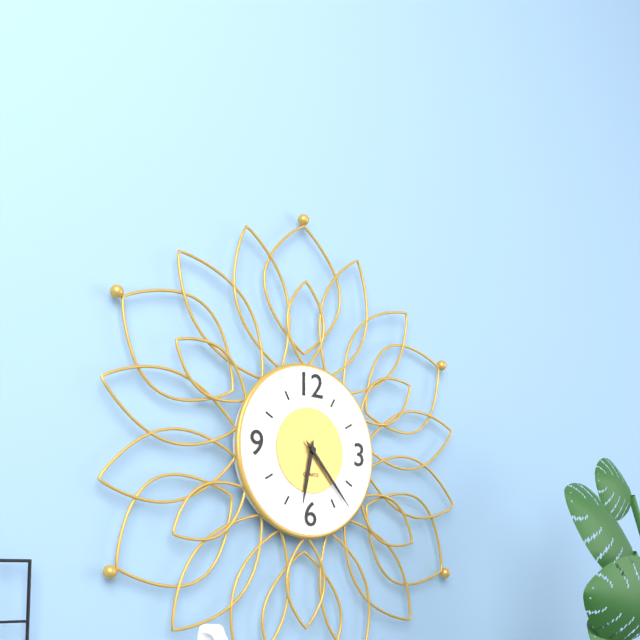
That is h=6 m=23
